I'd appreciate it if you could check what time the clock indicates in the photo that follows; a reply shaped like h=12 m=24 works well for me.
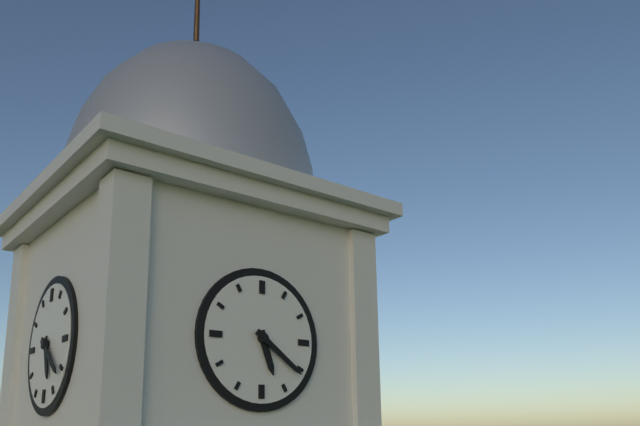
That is h=5 m=21
